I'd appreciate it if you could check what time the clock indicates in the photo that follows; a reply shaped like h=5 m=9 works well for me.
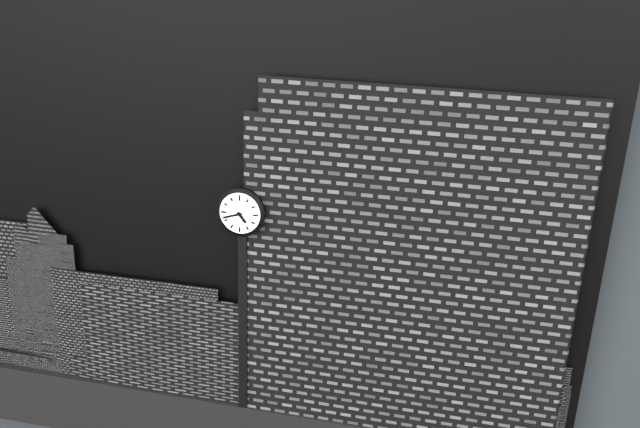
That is h=4 m=42
